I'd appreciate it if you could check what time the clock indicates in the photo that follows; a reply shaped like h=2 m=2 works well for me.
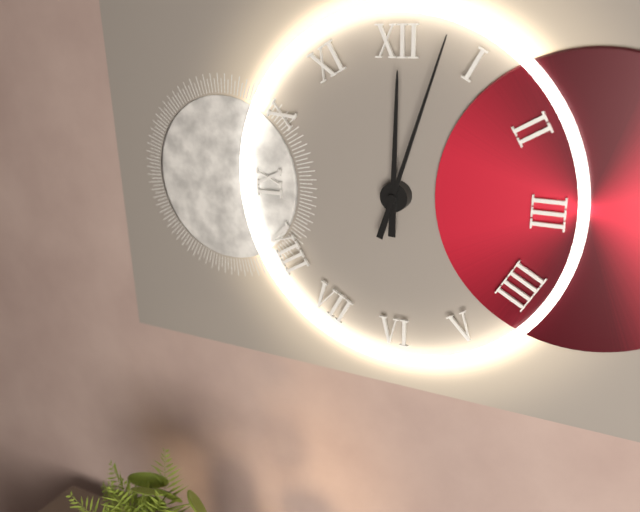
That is h=12 m=3
